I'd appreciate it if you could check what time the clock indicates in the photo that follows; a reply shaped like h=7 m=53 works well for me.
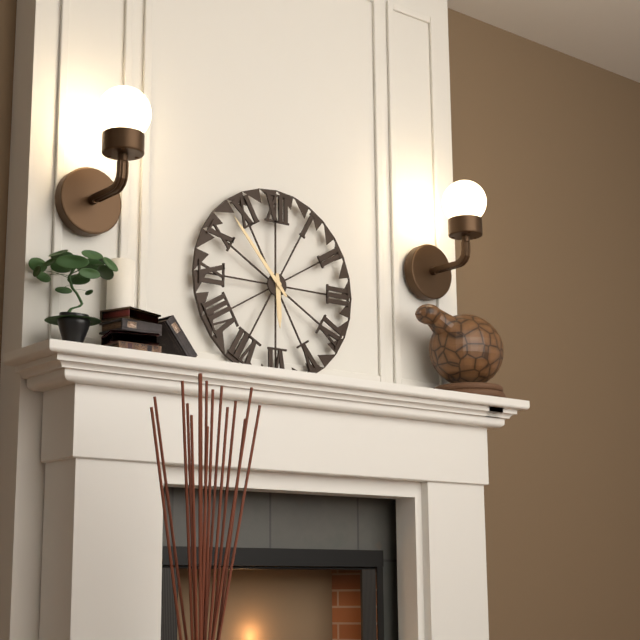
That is h=5 m=53
